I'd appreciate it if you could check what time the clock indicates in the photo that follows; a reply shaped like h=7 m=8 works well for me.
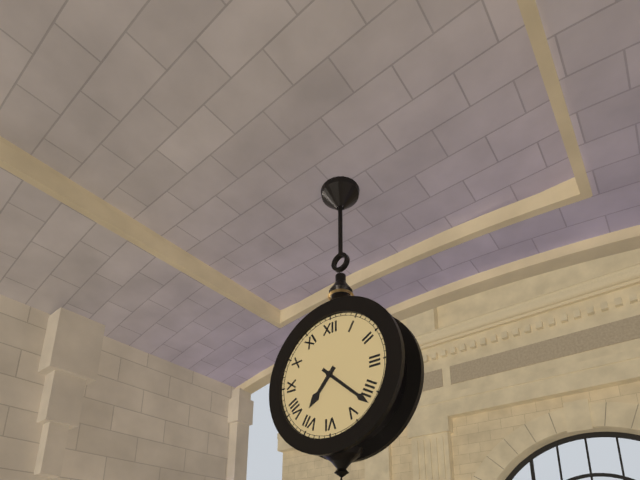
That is h=7 m=22
